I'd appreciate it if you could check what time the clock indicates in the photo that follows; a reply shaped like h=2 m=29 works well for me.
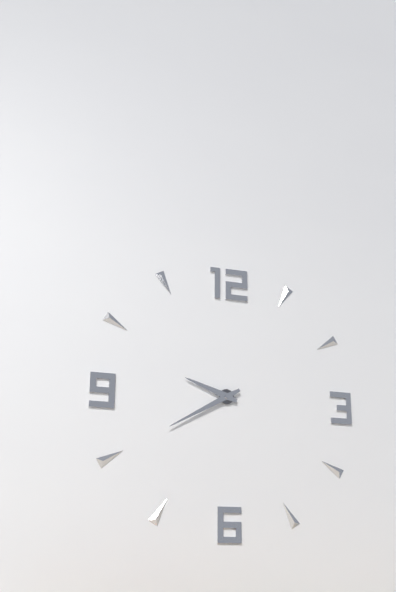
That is h=9 m=40
